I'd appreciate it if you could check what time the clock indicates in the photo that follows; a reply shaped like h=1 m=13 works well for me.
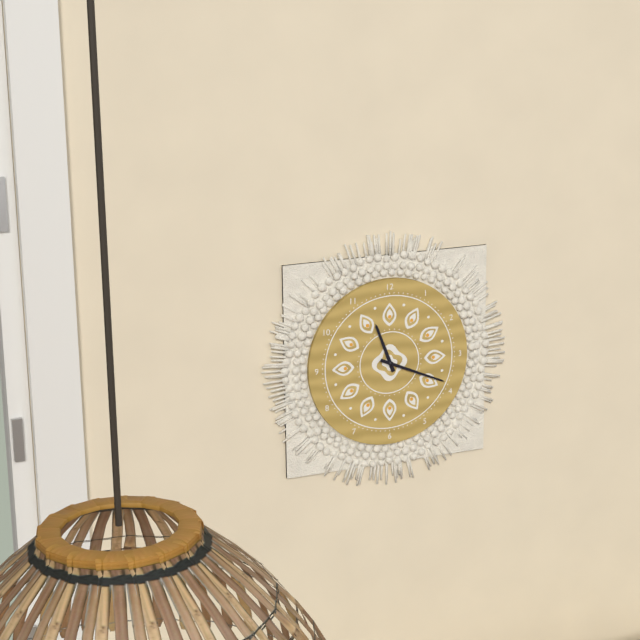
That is h=11 m=19
